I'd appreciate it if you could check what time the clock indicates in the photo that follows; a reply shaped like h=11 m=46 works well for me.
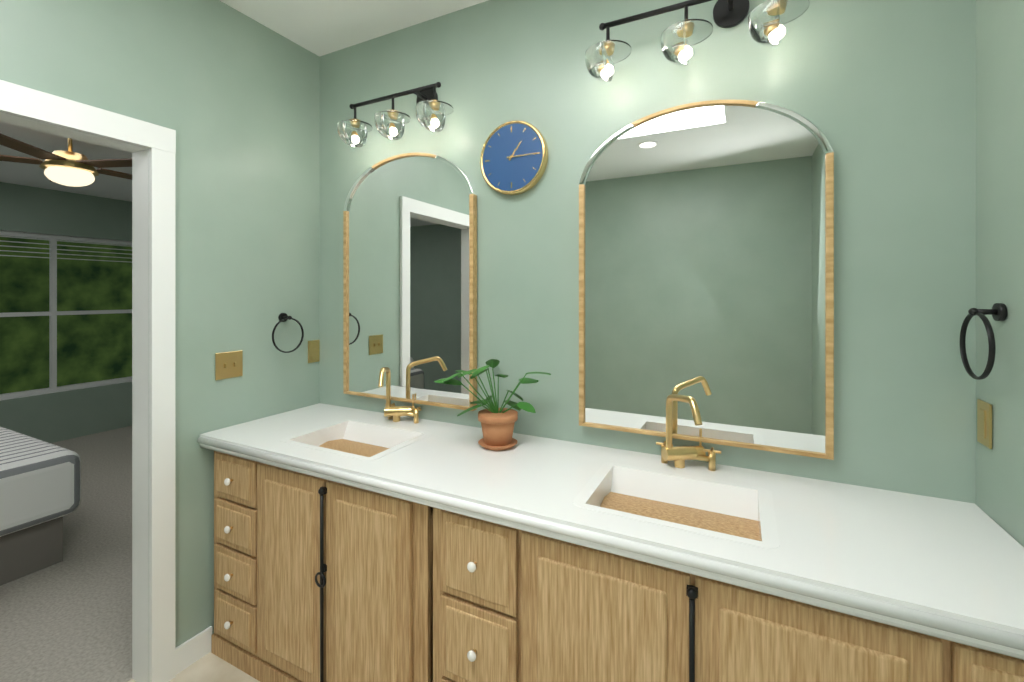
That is h=1 m=15
